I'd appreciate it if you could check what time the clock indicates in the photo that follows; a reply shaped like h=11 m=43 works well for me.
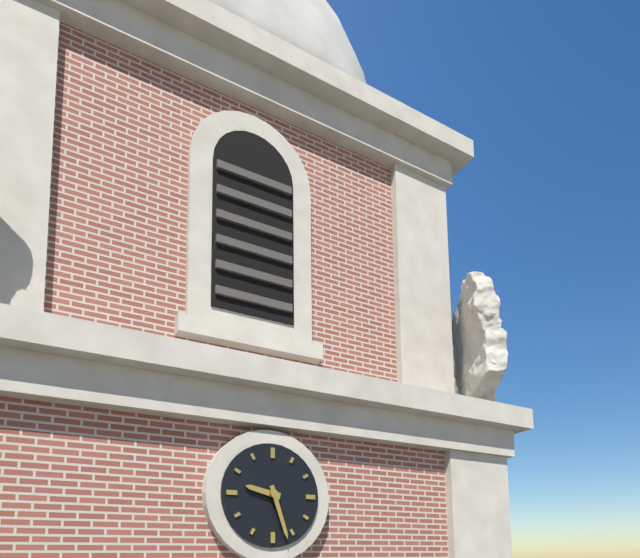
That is h=9 m=27
